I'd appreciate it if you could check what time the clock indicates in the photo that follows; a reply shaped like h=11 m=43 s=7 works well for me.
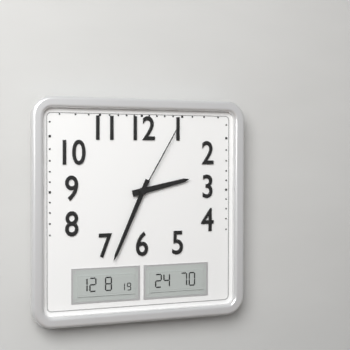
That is h=2 m=34 s=5
